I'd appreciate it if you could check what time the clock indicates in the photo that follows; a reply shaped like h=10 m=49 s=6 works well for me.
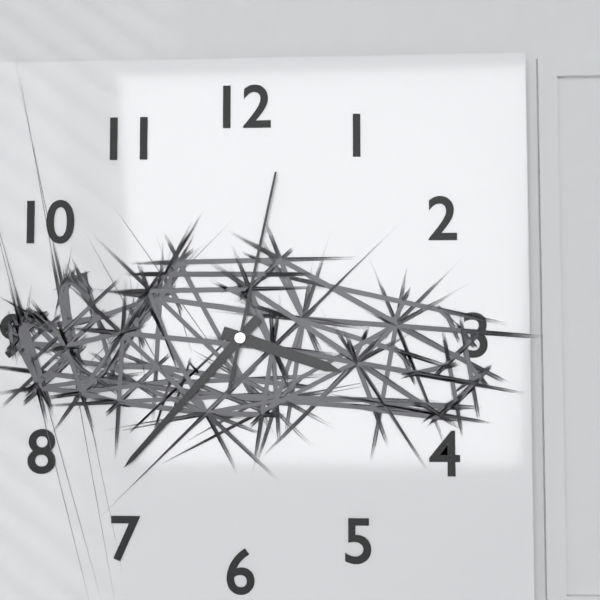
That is h=3 m=37 s=2
